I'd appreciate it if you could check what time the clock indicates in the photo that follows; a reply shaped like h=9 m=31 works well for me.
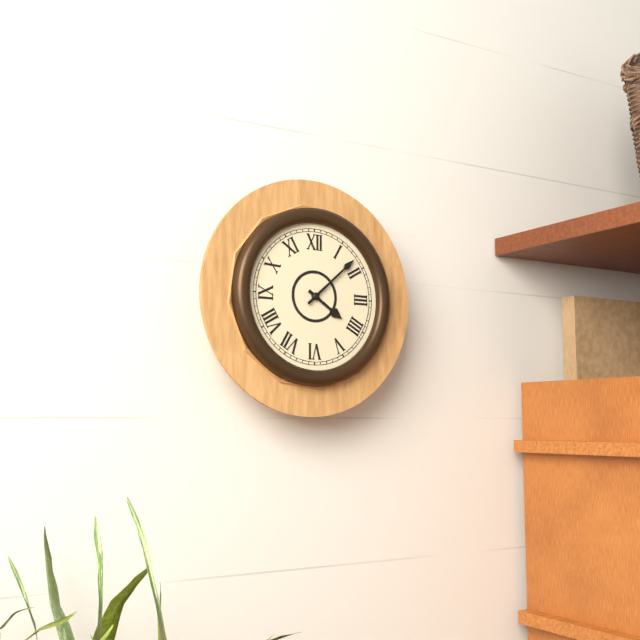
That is h=4 m=8
